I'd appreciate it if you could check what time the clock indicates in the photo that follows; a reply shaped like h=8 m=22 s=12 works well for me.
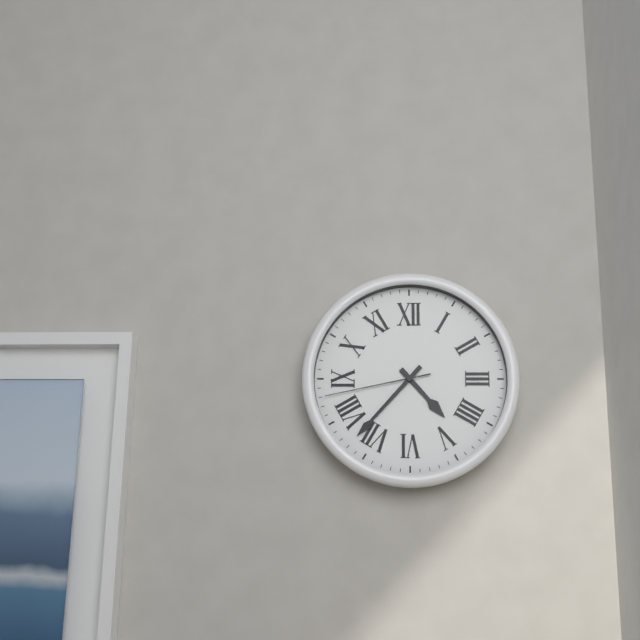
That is h=4 m=37 s=43
